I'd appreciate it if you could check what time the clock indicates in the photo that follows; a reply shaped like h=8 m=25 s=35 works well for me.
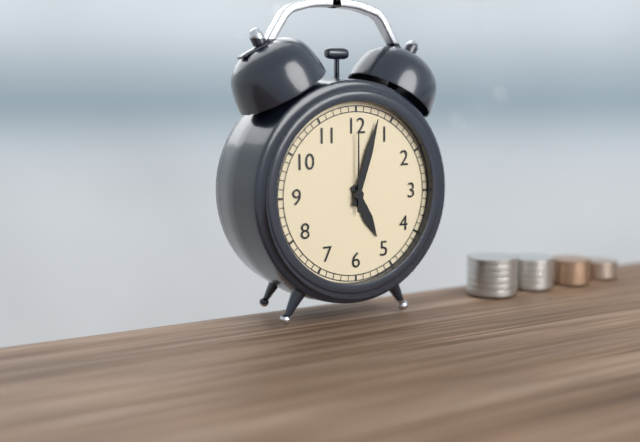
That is h=5 m=3 s=0
